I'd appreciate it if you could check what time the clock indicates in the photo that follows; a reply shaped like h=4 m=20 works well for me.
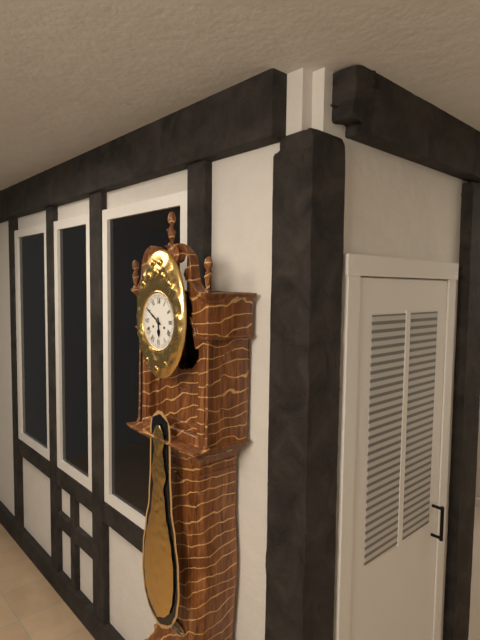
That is h=5 m=50
